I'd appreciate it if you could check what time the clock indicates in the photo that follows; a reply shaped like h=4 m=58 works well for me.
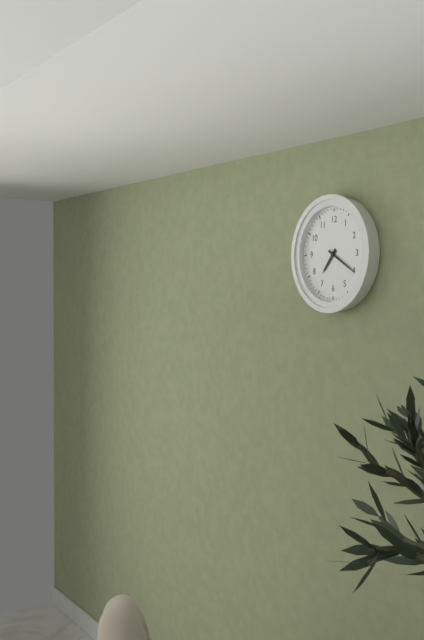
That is h=7 m=20
